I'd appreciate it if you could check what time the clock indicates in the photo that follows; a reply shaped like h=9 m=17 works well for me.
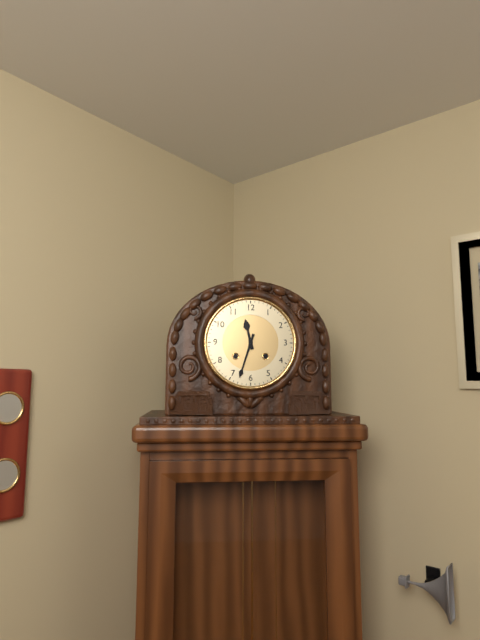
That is h=11 m=33
